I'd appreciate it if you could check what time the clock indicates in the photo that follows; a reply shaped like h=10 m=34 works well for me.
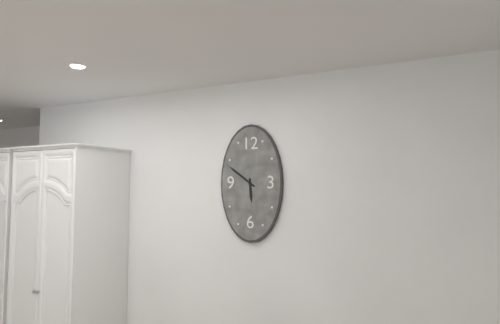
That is h=5 m=51
